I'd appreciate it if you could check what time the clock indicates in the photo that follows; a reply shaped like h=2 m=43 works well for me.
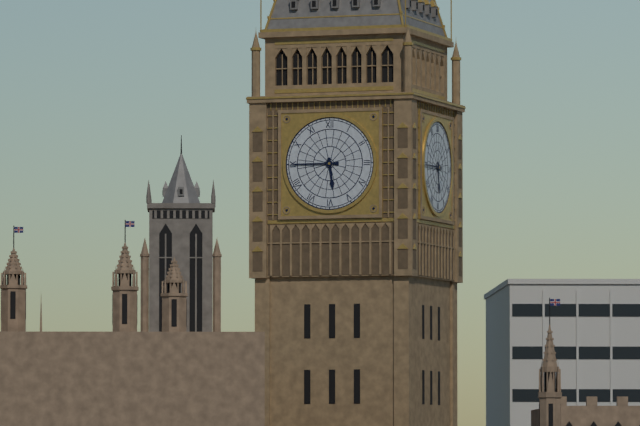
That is h=5 m=45
